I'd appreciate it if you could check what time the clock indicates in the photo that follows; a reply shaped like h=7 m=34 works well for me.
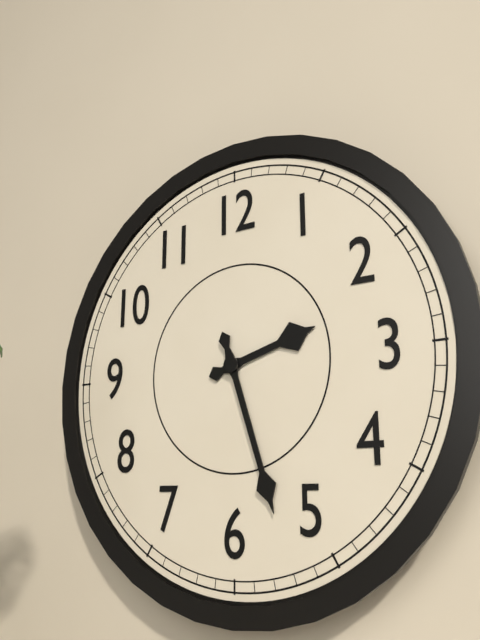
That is h=2 m=27
